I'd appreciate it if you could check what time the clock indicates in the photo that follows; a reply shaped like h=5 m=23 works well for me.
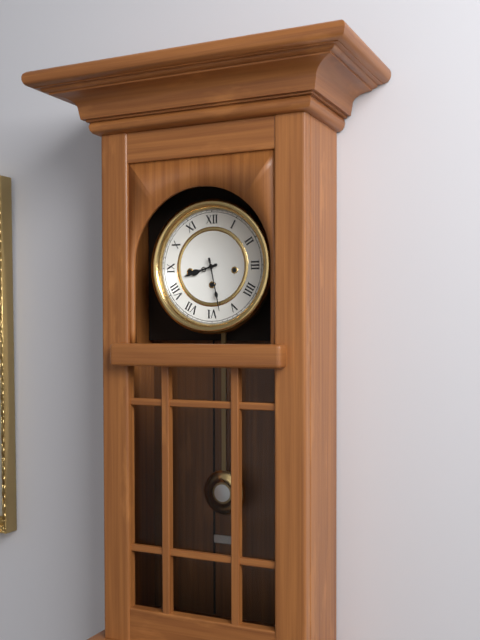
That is h=8 m=28
